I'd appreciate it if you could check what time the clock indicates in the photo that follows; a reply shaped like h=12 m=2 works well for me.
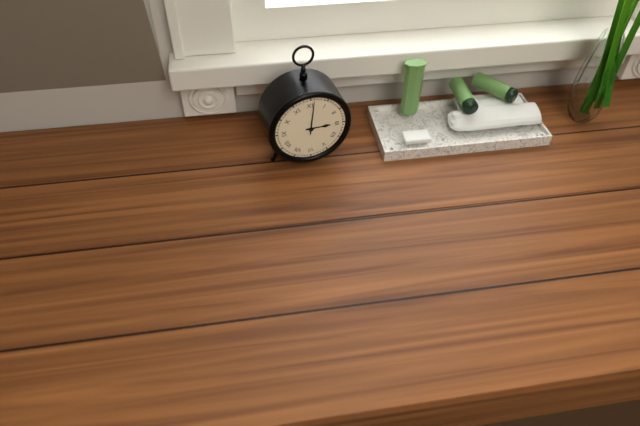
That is h=3 m=1
